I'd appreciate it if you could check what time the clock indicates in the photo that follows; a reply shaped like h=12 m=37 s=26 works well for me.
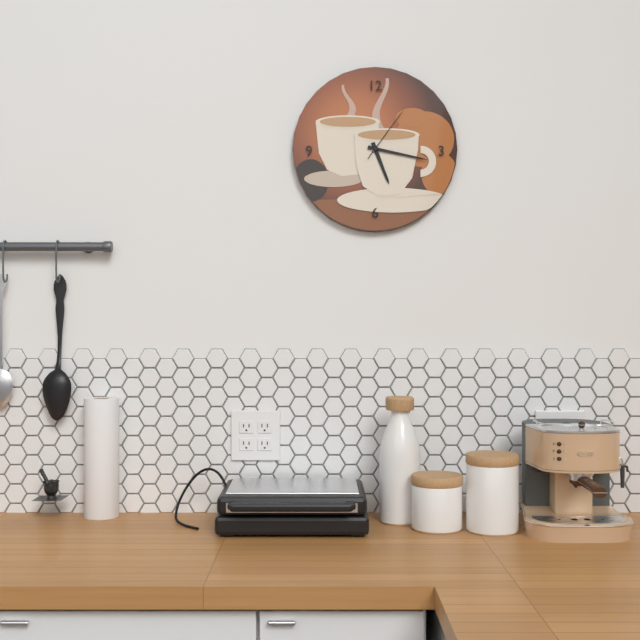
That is h=5 m=17 s=6
